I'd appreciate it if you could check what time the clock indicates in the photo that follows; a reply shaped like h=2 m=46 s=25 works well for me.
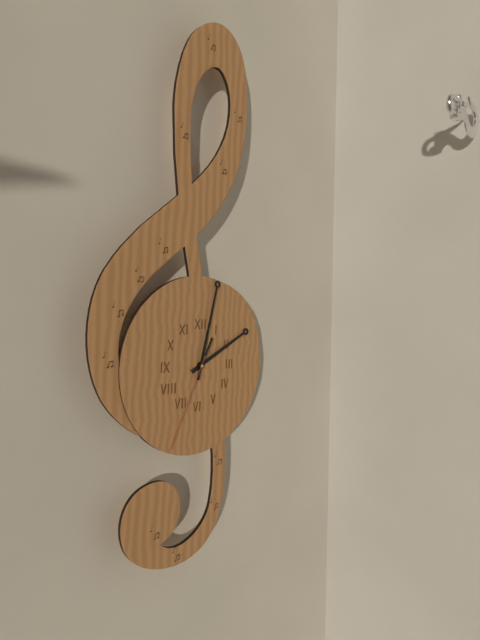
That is h=2 m=2 s=34
